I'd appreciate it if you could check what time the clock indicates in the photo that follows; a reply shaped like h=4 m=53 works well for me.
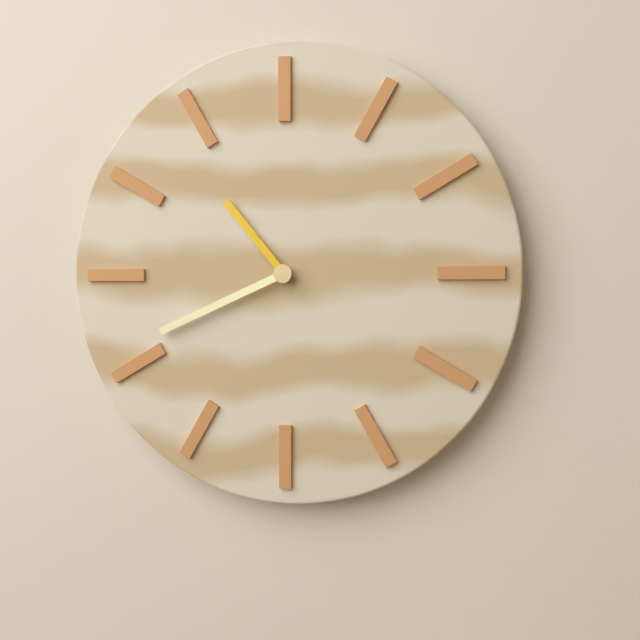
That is h=10 m=41
